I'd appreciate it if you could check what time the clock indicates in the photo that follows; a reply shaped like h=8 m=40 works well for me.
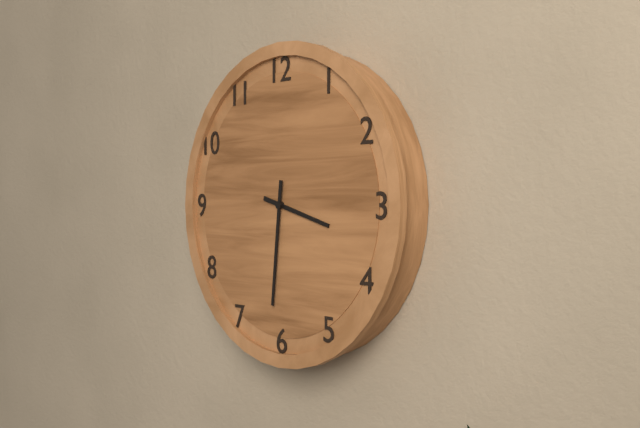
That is h=3 m=31
